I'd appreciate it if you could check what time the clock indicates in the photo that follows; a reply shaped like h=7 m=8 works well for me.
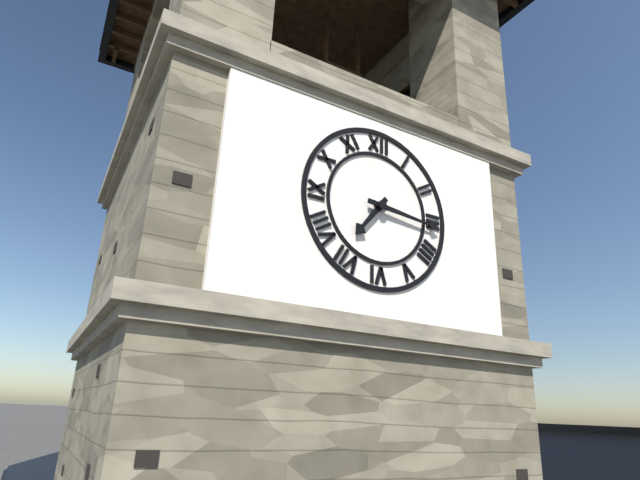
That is h=7 m=16
